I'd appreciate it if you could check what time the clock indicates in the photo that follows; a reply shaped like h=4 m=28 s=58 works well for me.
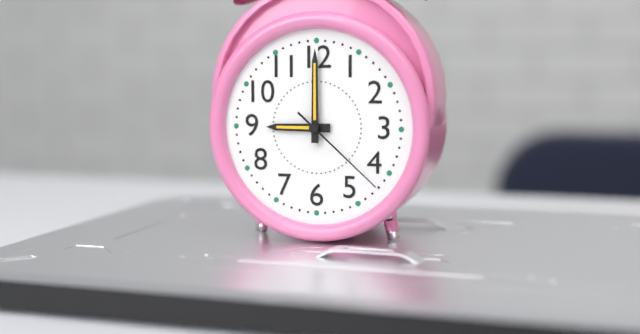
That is h=9 m=0 s=22
